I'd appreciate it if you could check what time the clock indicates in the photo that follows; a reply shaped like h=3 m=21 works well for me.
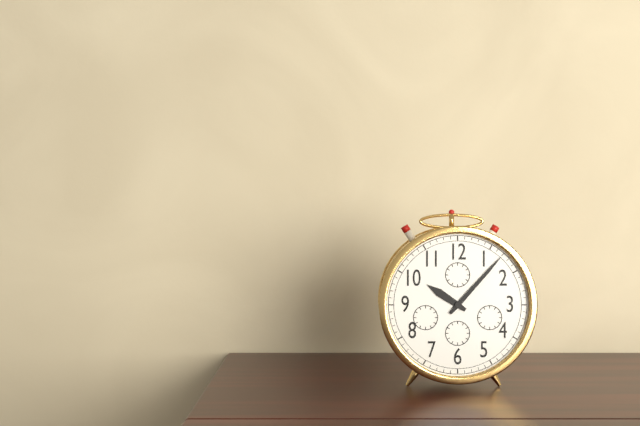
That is h=10 m=7
